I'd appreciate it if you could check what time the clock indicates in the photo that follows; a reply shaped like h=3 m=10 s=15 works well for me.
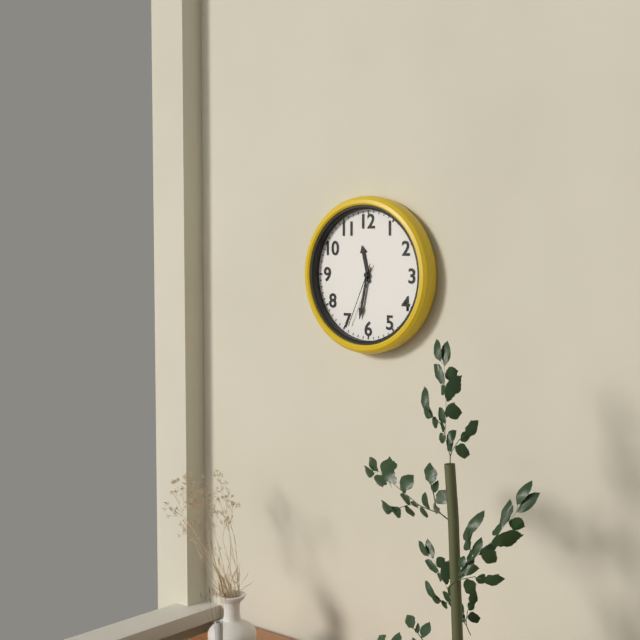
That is h=11 m=32 s=34
